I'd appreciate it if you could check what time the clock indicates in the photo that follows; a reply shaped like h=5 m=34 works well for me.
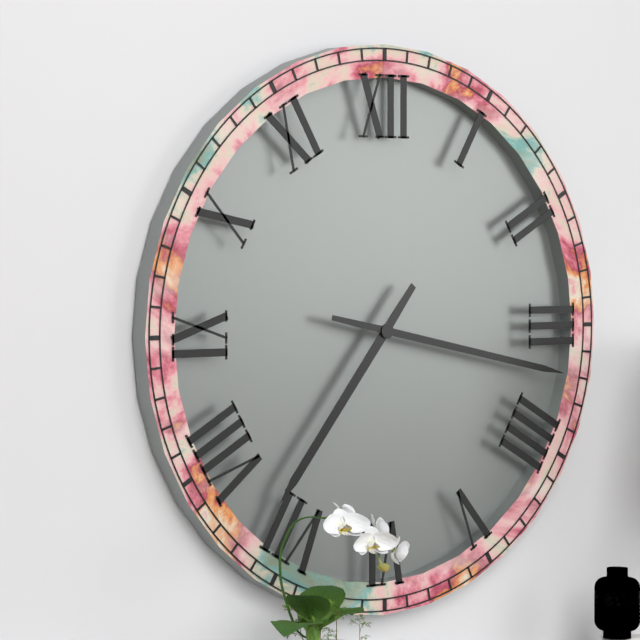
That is h=7 m=17
